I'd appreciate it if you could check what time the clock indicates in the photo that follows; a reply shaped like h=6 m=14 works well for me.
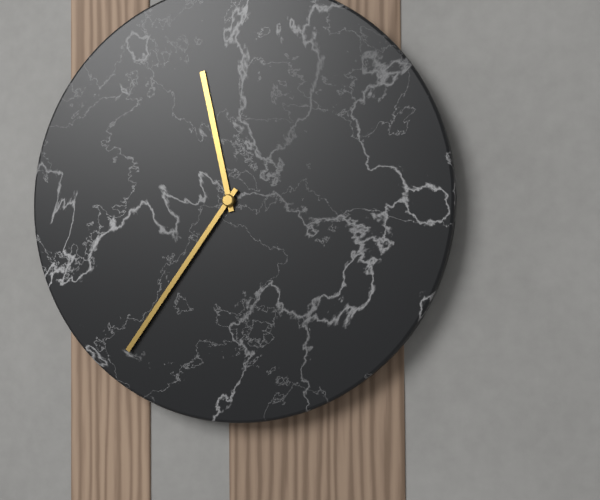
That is h=11 m=36
